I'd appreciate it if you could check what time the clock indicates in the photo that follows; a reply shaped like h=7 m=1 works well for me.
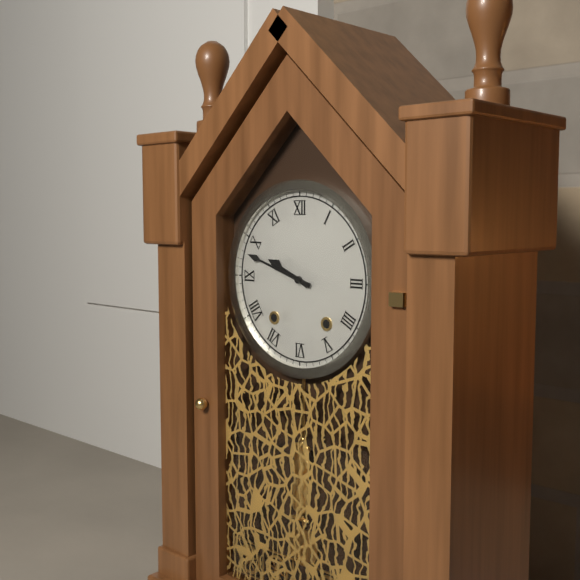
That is h=9 m=48
